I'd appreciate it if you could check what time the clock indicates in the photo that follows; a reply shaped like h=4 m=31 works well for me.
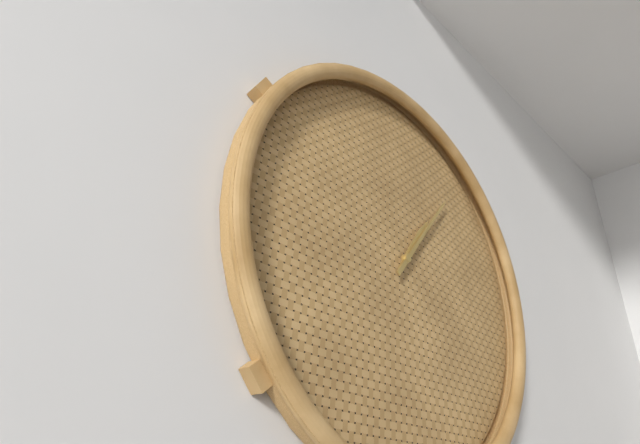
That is h=1 m=6
